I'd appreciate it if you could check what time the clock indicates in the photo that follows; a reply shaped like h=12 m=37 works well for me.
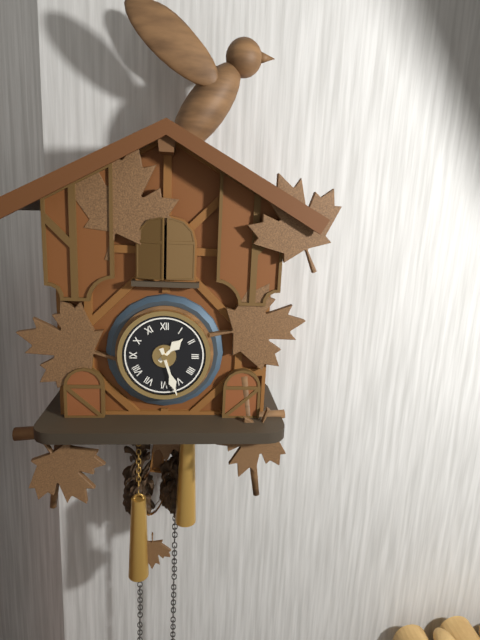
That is h=1 m=27
